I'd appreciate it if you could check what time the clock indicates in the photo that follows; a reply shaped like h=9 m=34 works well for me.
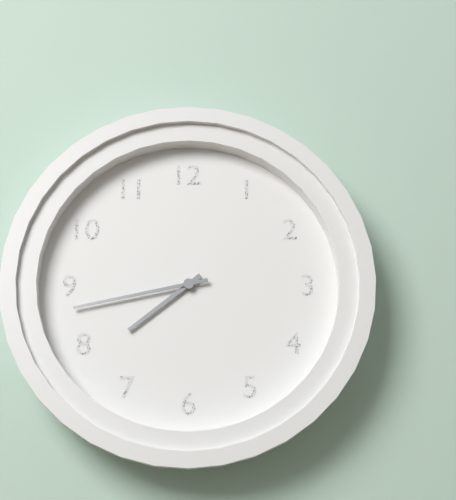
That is h=7 m=43
